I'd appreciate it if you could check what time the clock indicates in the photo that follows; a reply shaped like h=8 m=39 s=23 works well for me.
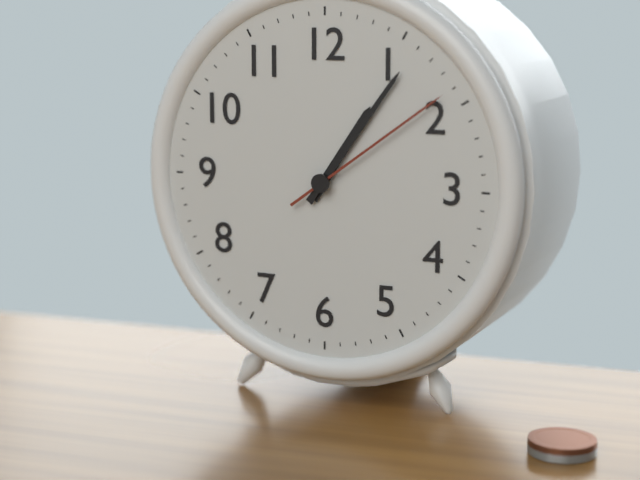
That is h=1 m=6 s=9
